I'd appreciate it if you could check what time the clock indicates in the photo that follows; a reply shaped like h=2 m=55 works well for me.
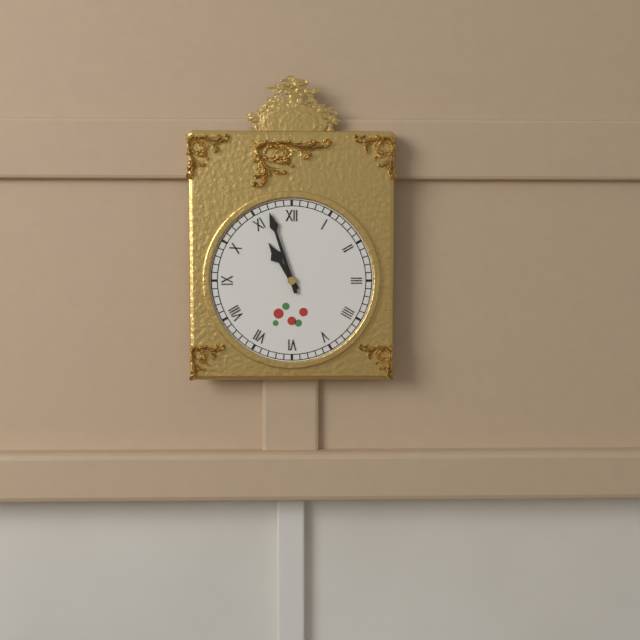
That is h=10 m=57
